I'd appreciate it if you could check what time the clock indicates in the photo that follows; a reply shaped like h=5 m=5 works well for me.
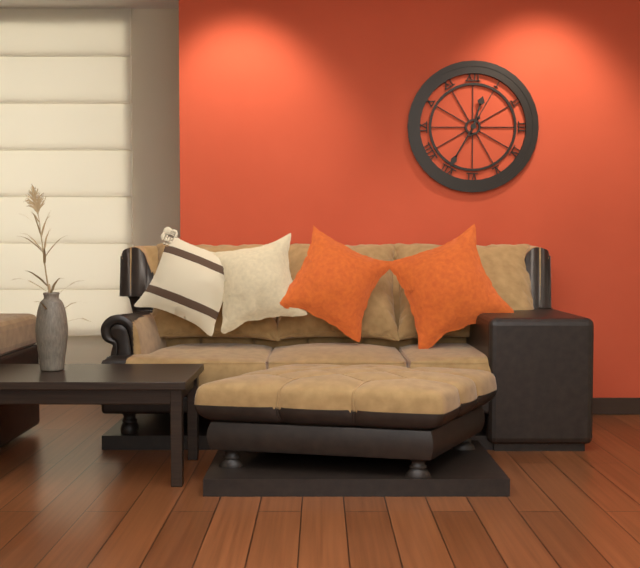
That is h=12 m=35
